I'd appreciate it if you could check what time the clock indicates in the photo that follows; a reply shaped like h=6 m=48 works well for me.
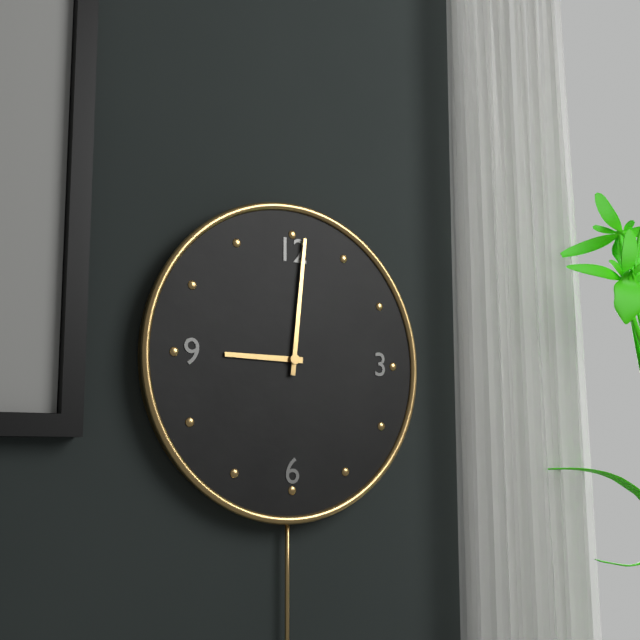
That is h=9 m=1
